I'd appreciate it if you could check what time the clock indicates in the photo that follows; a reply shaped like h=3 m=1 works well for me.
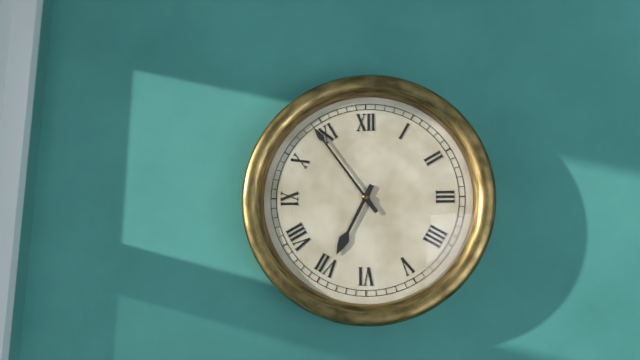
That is h=6 m=54
